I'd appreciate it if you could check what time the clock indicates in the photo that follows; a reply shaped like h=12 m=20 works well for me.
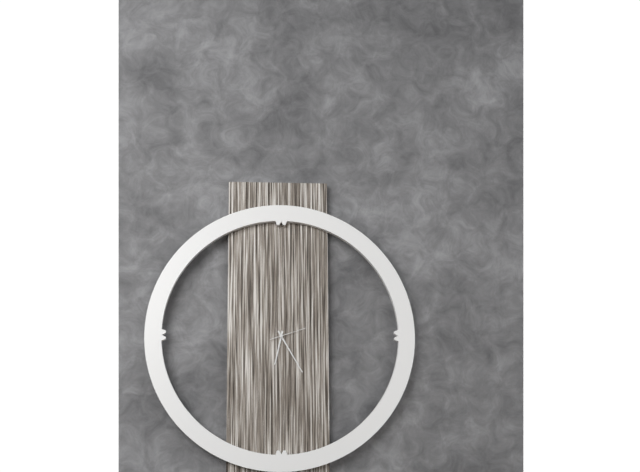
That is h=6 m=25
